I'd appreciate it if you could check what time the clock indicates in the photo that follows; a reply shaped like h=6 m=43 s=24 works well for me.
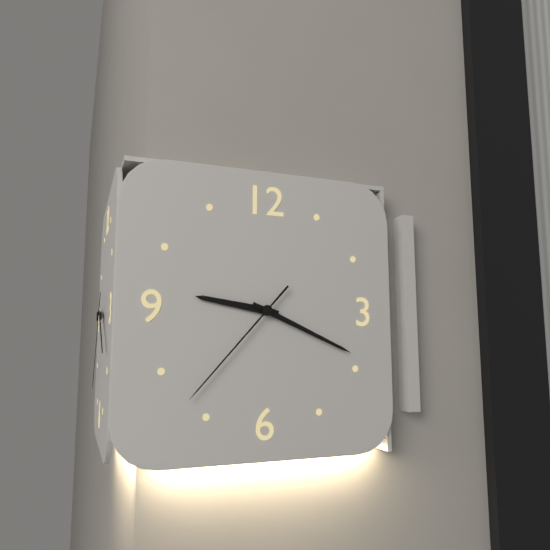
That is h=9 m=19 s=37
